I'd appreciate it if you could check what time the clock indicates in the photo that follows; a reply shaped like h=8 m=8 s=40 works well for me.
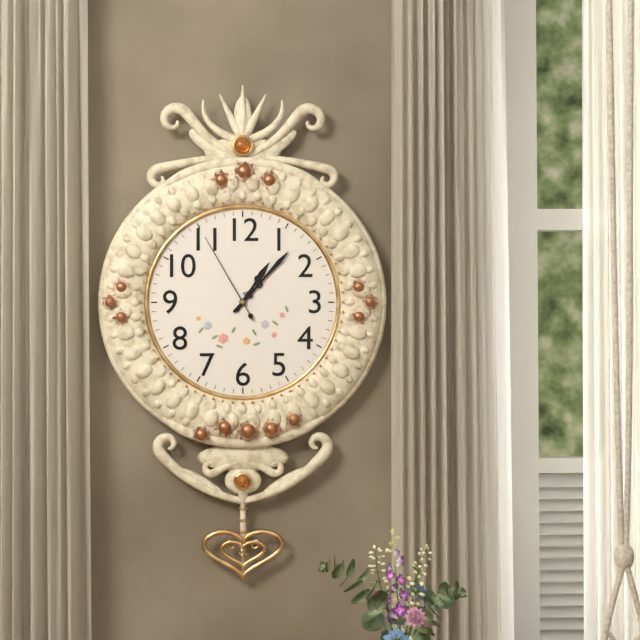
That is h=1 m=7 s=55
